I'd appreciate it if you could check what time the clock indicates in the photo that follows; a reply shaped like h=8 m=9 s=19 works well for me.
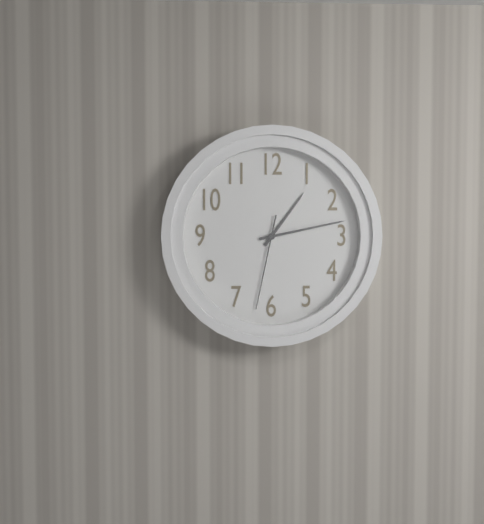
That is h=1 m=13 s=32
